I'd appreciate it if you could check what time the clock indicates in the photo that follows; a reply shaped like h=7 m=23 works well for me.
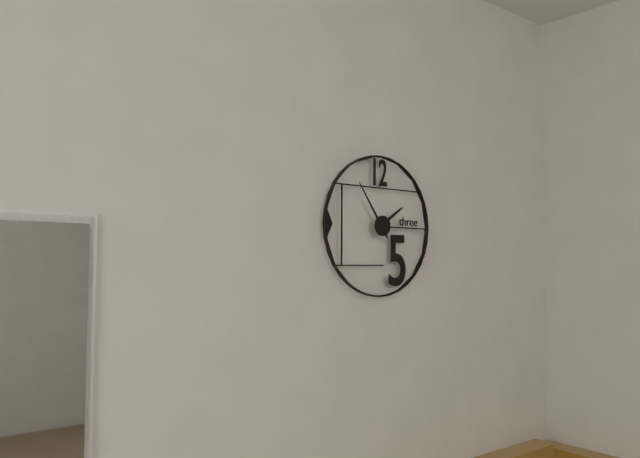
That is h=1 m=54
